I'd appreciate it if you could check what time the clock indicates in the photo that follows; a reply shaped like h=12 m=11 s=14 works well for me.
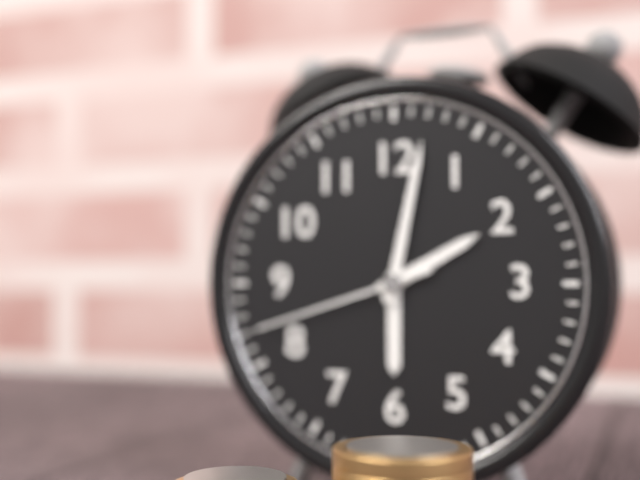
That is h=2 m=2 s=42
